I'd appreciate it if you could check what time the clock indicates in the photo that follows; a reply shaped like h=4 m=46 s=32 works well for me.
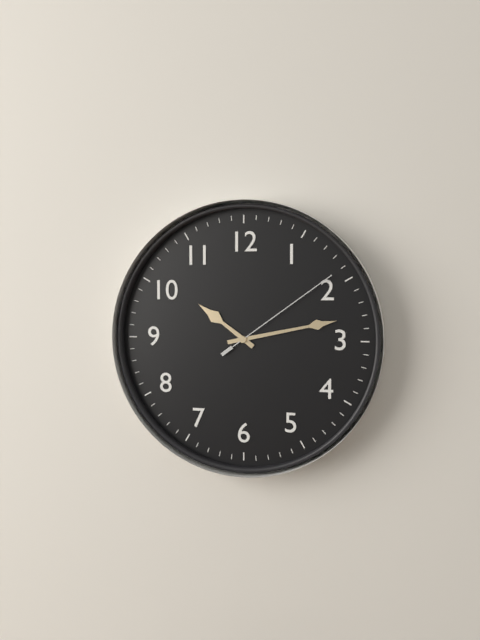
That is h=10 m=13 s=9
